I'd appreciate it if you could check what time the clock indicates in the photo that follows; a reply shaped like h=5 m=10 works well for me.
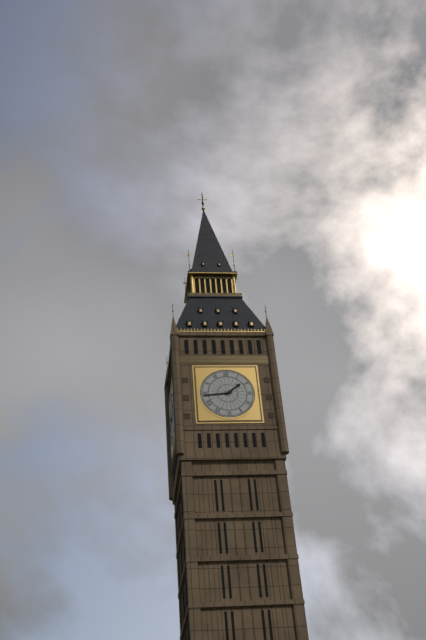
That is h=1 m=44
